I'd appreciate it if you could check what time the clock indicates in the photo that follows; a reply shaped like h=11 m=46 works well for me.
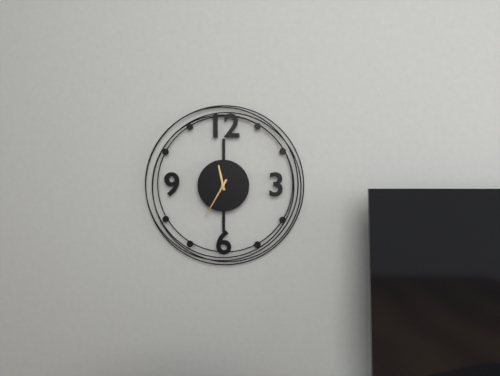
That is h=11 m=35
